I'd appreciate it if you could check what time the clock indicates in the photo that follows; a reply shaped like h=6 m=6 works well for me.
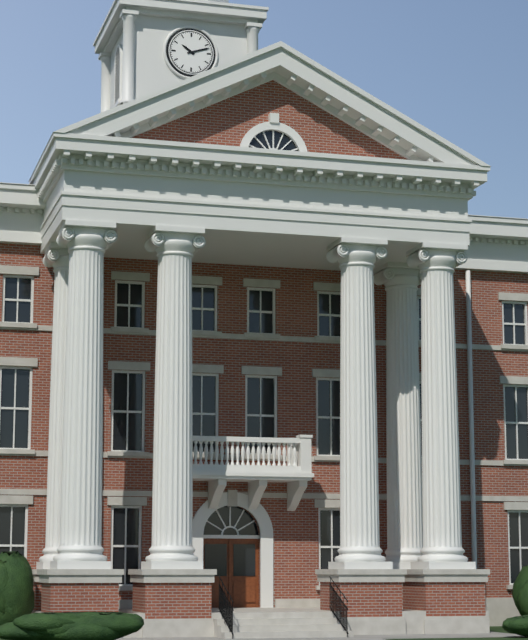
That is h=10 m=12
